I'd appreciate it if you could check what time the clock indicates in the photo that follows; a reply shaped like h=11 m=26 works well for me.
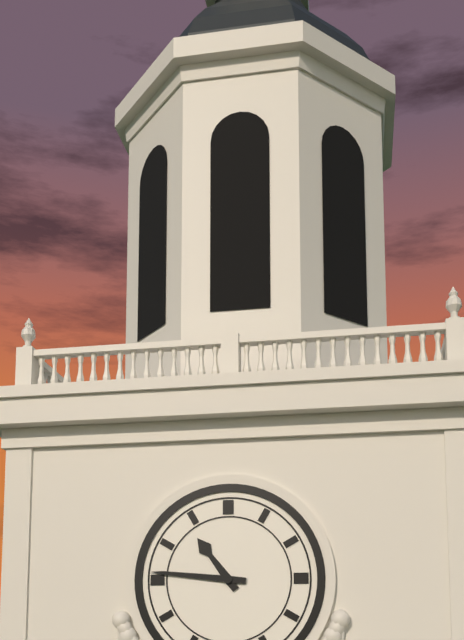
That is h=10 m=46
